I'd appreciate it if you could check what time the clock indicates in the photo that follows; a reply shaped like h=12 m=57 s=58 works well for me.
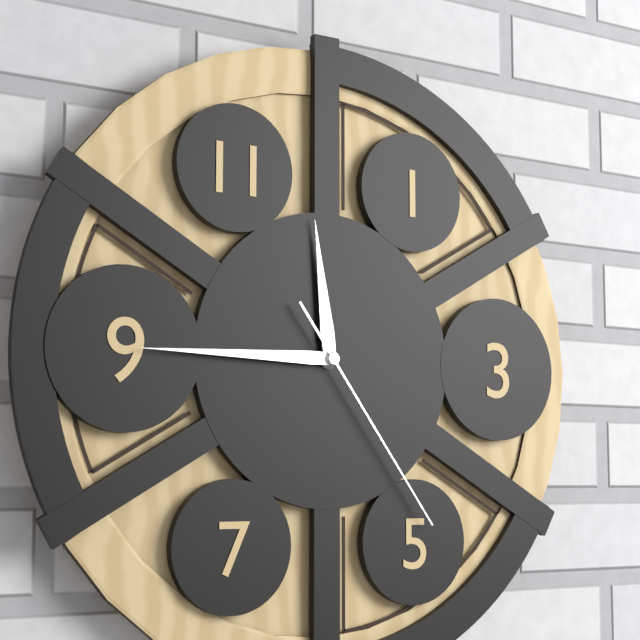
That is h=11 m=45 s=24
